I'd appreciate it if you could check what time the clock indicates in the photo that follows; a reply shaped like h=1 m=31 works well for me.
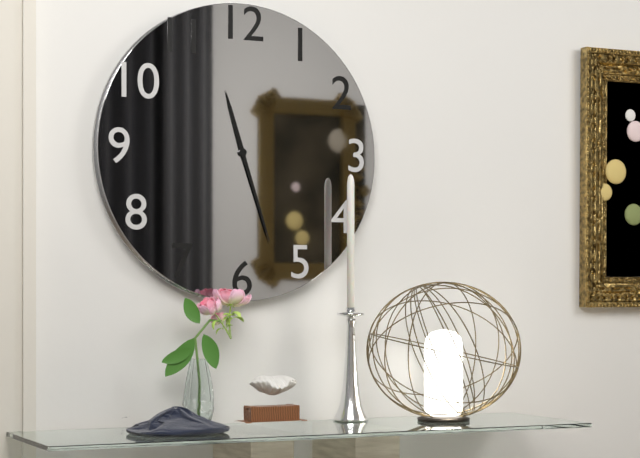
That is h=11 m=27
